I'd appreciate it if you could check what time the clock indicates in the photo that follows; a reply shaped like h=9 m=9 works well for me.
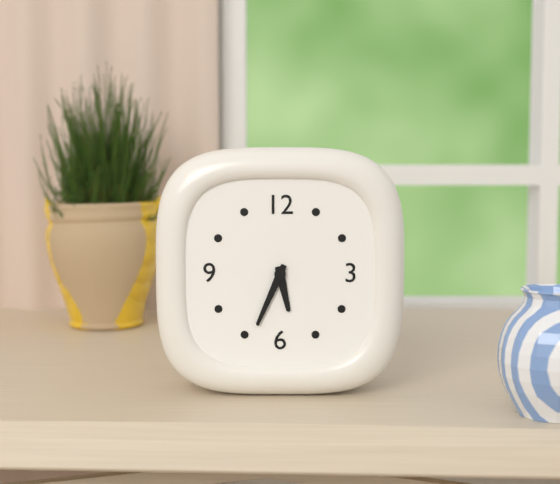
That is h=5 m=34
